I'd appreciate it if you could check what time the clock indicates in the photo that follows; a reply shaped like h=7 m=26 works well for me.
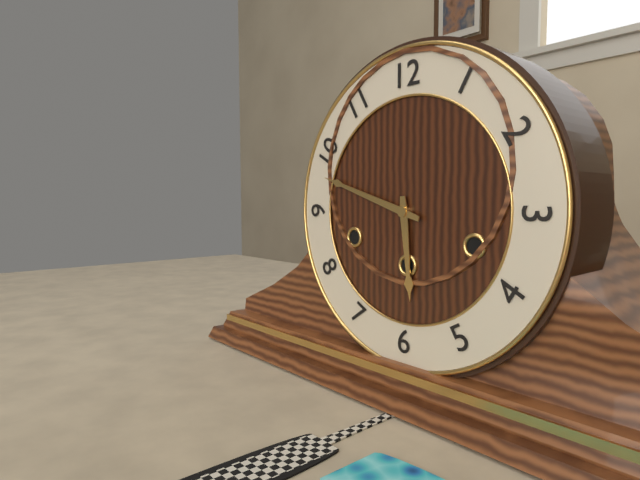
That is h=5 m=48
